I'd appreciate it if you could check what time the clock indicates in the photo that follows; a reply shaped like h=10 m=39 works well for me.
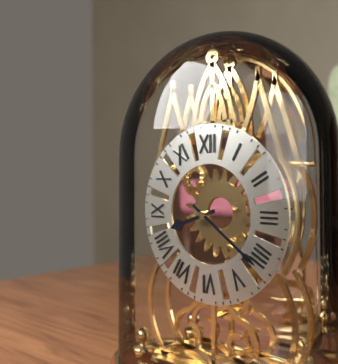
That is h=8 m=21
